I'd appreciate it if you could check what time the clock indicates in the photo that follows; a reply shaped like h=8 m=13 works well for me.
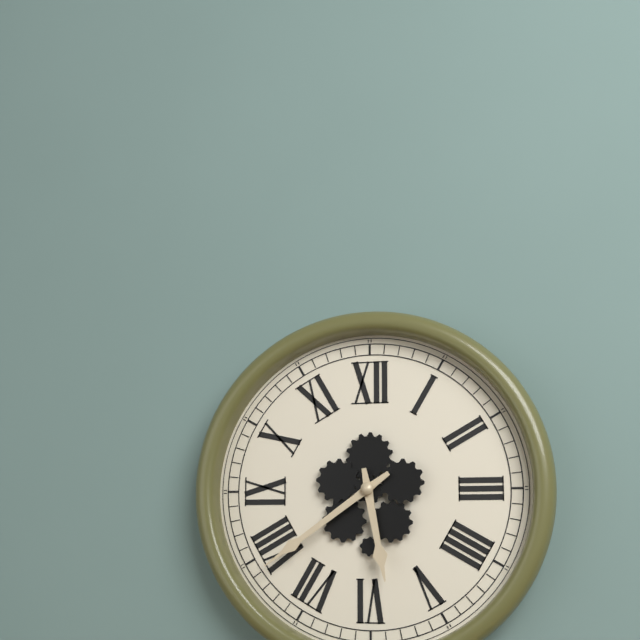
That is h=5 m=39
